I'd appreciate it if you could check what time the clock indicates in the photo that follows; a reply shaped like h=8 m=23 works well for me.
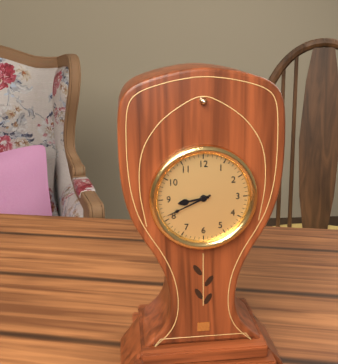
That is h=8 m=41
